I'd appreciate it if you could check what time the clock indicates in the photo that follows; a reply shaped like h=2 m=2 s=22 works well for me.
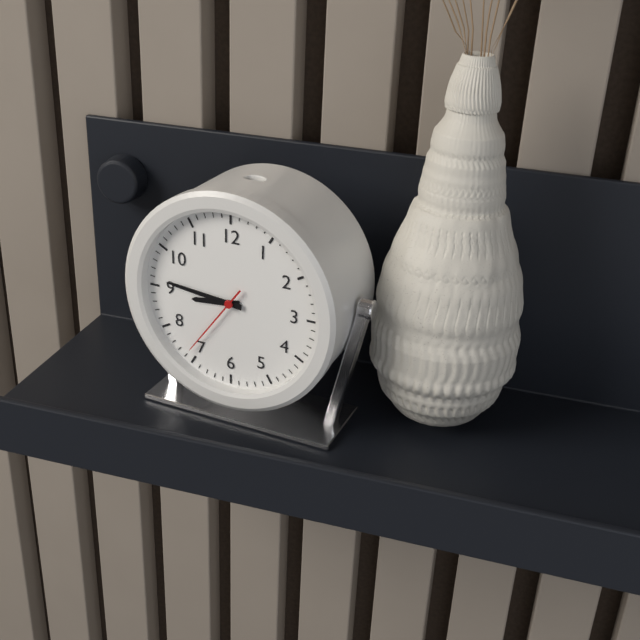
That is h=8 m=46 s=36
